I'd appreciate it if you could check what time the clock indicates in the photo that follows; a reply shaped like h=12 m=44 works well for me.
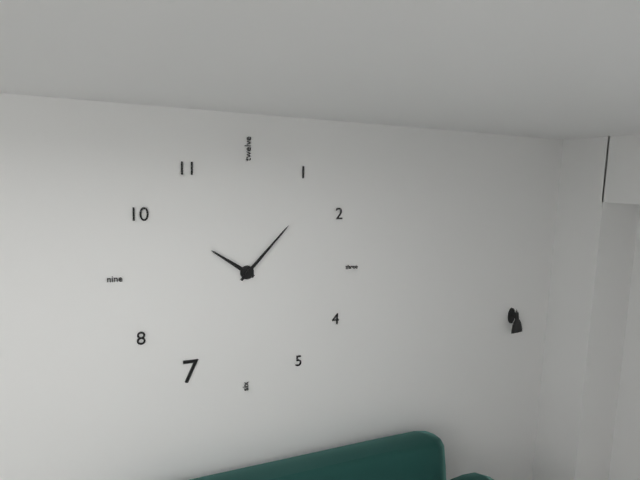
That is h=10 m=7
